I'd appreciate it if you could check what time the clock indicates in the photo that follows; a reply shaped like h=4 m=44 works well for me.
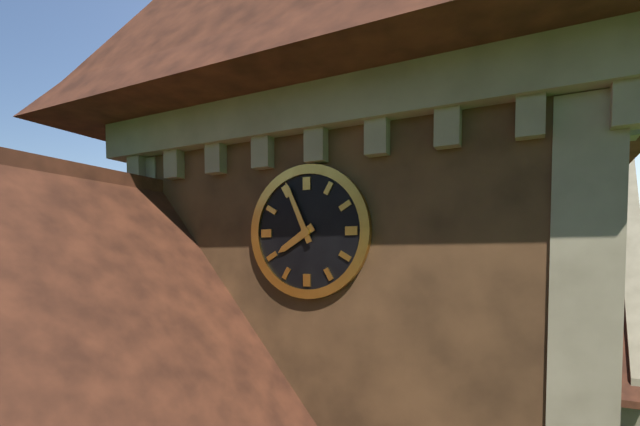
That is h=7 m=56
